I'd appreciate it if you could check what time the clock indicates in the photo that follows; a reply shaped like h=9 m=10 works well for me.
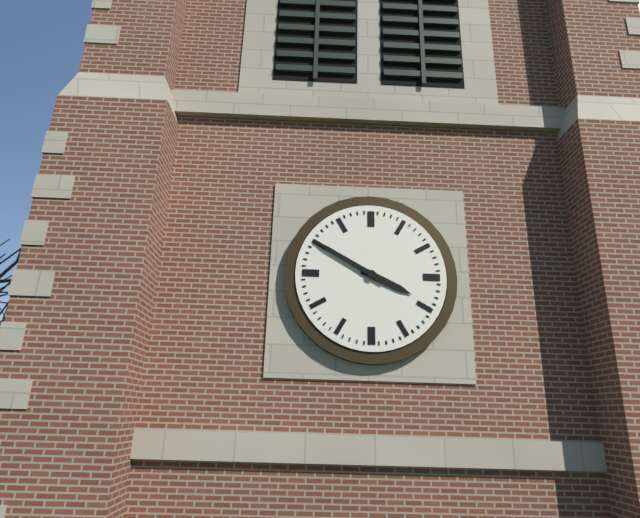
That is h=3 m=50
